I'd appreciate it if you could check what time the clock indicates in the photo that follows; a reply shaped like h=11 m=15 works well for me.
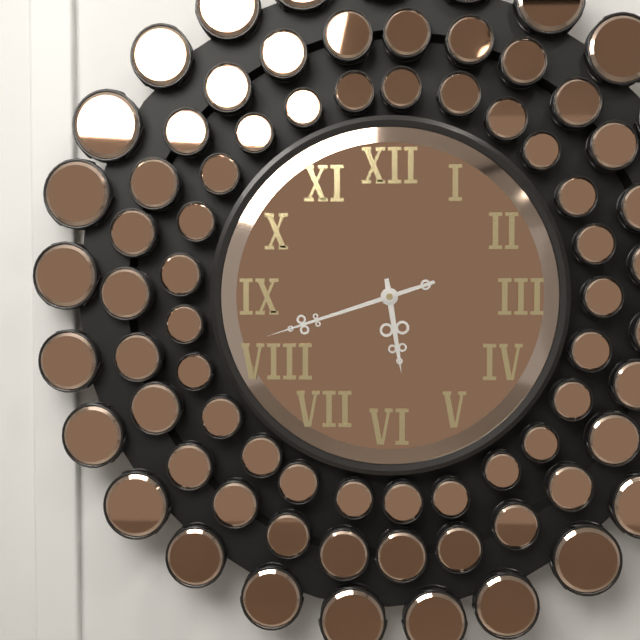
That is h=5 m=42
